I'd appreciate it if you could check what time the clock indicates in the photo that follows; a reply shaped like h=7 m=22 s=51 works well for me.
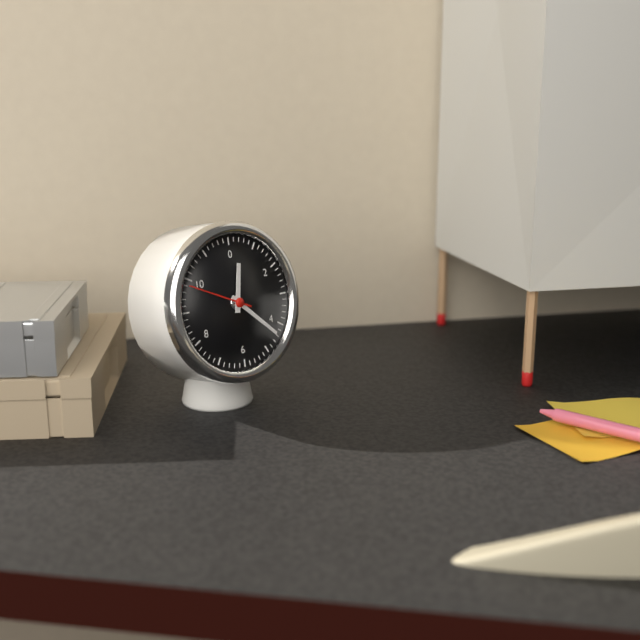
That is h=12 m=22 s=49
